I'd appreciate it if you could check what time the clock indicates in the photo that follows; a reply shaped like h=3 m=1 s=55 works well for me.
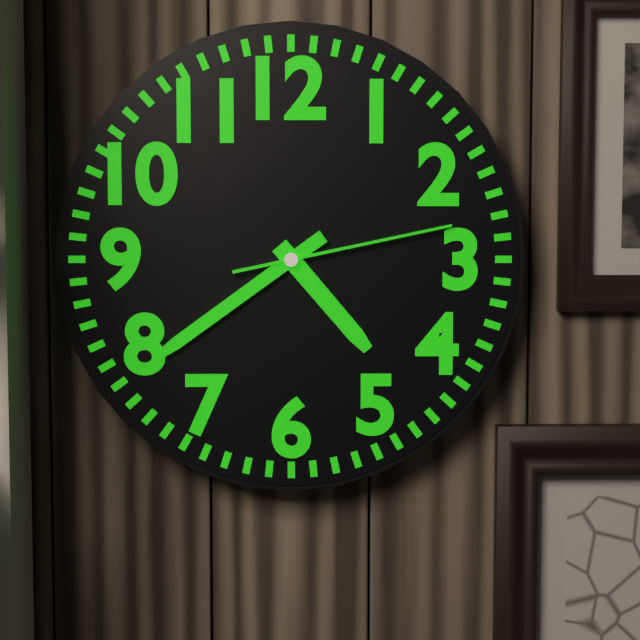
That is h=4 m=39 s=13
